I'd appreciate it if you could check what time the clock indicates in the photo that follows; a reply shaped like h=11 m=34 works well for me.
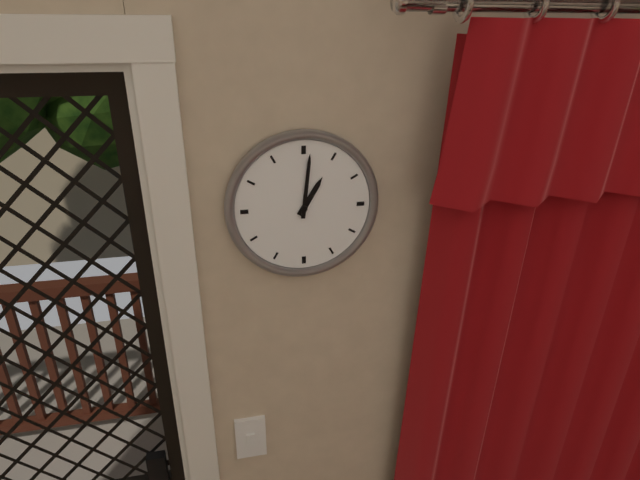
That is h=1 m=1
